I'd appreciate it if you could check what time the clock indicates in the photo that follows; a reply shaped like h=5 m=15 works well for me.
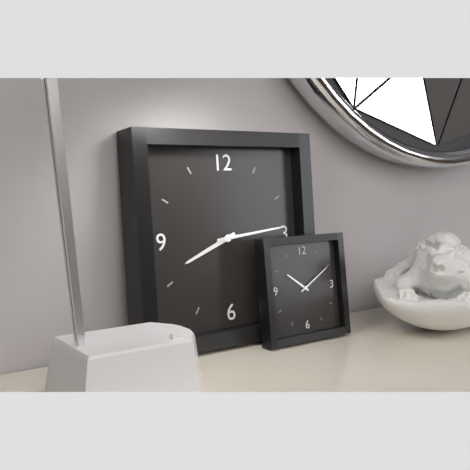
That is h=8 m=14
